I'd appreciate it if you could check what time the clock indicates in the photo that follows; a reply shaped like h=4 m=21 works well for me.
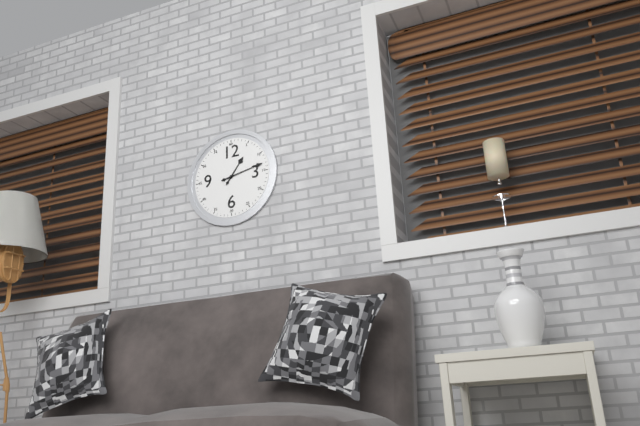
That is h=1 m=13
